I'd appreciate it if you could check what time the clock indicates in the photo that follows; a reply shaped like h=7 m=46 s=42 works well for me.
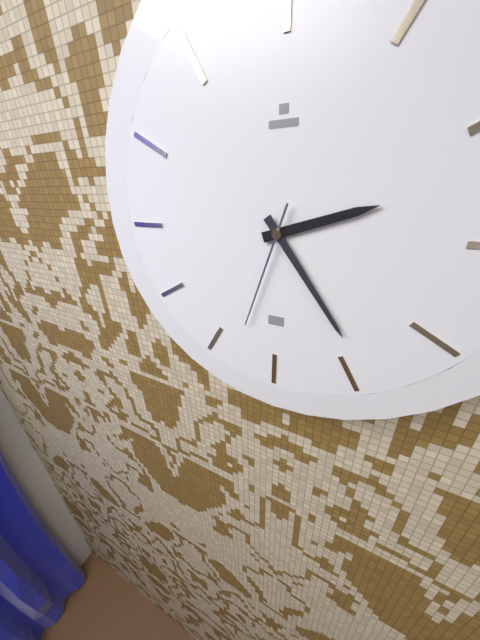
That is h=2 m=24 s=33
